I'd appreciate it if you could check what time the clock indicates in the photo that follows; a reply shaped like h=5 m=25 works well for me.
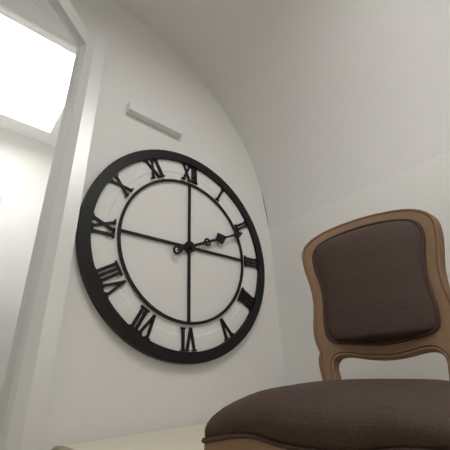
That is h=2 m=11
